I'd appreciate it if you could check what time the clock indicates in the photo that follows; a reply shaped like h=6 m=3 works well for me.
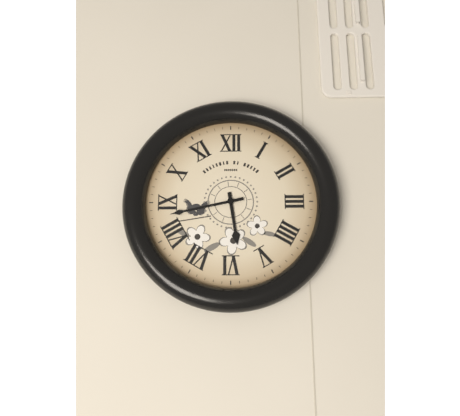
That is h=5 m=43
